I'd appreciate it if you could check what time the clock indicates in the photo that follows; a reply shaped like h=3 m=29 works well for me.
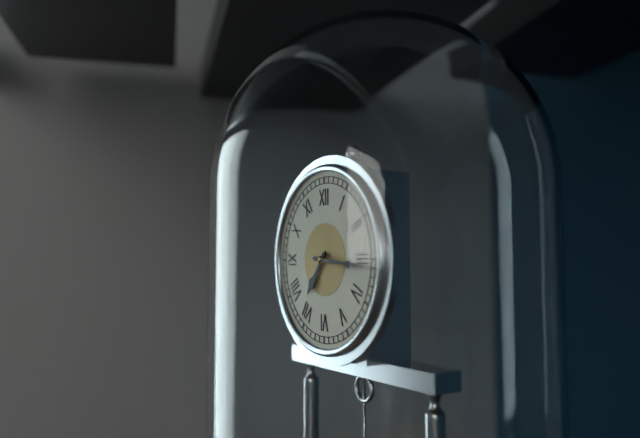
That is h=7 m=16
